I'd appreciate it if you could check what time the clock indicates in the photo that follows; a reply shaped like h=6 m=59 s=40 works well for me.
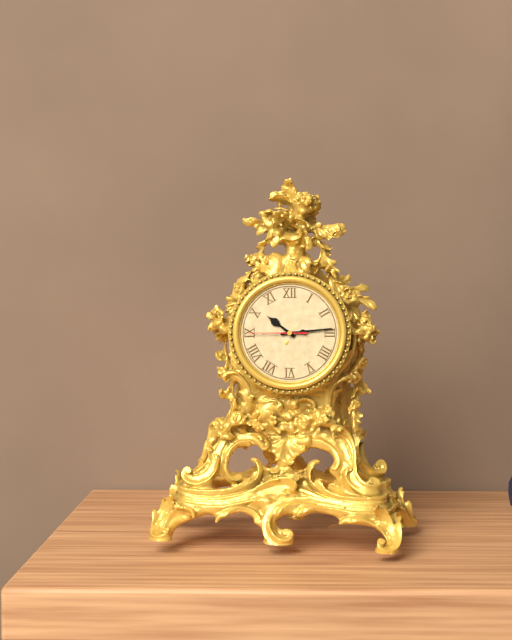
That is h=10 m=14 s=45
